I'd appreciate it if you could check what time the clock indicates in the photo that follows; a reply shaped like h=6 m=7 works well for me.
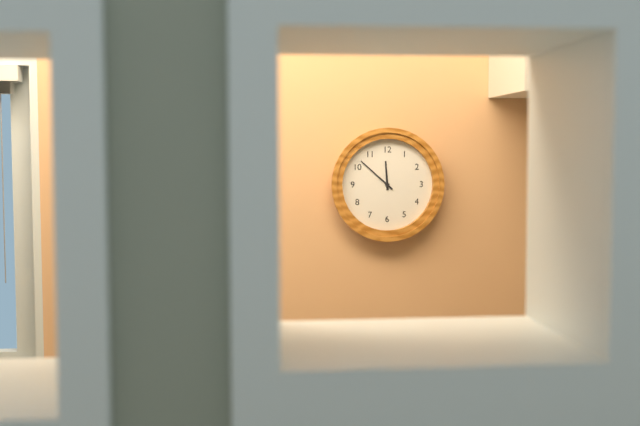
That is h=11 m=52
